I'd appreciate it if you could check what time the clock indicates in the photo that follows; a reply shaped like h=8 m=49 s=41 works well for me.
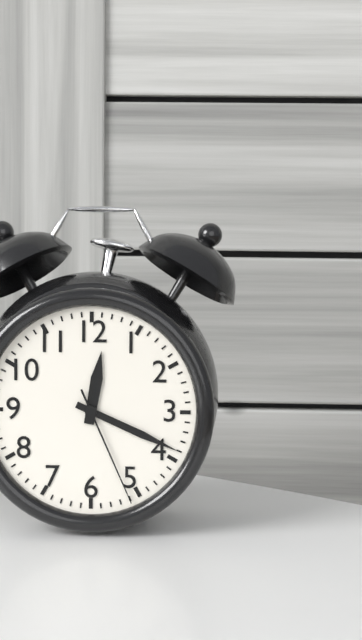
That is h=12 m=19 s=26
